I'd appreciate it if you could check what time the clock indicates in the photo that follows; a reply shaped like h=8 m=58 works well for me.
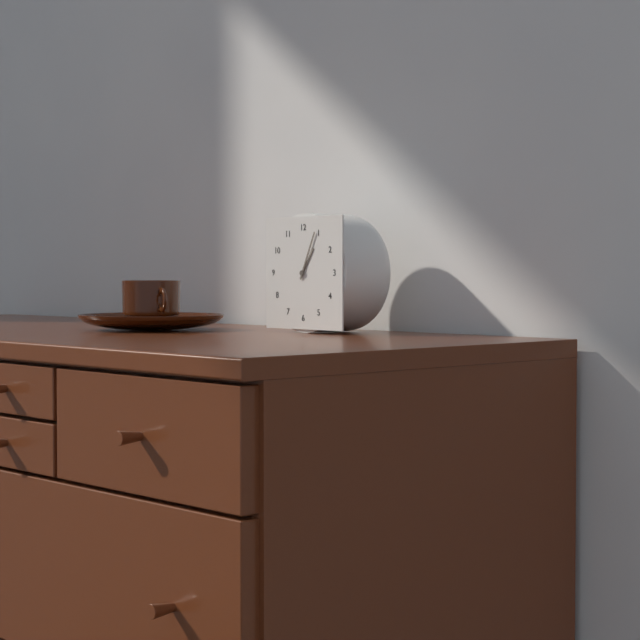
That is h=1 m=4
